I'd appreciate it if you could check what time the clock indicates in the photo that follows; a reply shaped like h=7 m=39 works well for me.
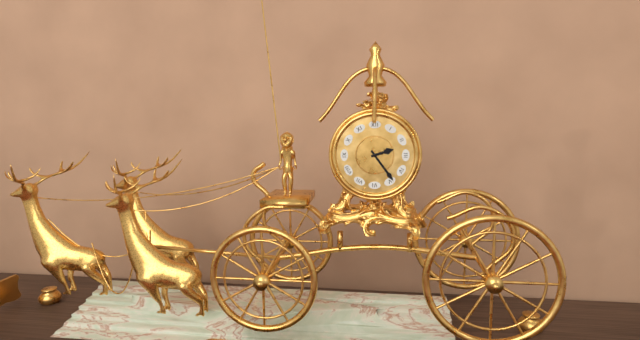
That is h=2 m=24
